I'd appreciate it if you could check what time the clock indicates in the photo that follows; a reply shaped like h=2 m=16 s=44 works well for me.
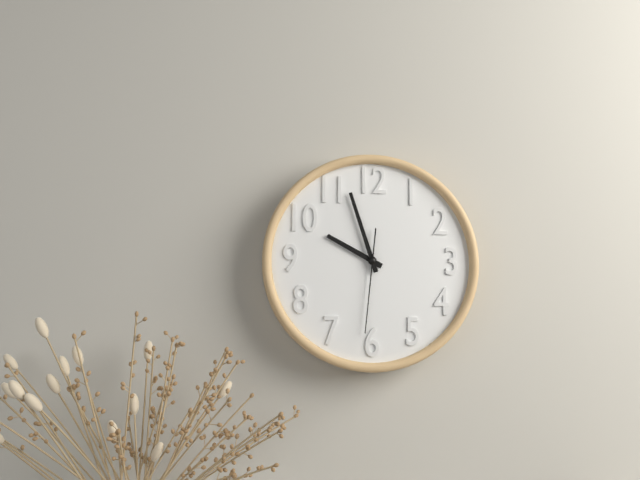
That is h=9 m=57 s=31
